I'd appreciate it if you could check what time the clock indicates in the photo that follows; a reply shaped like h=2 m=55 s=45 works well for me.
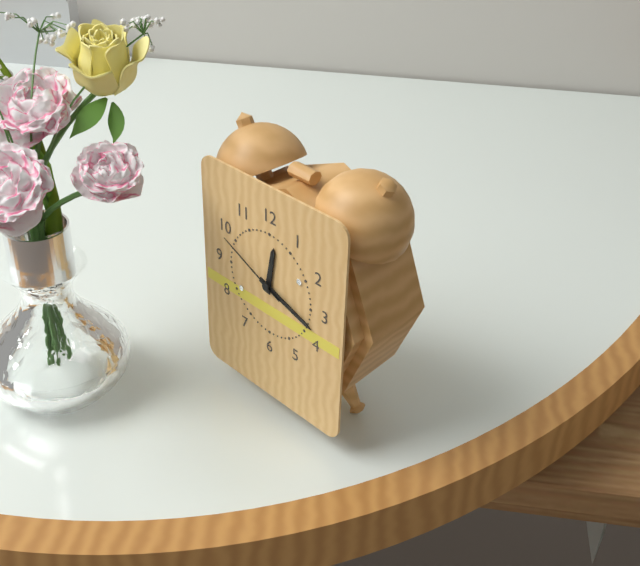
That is h=12 m=18 s=49
